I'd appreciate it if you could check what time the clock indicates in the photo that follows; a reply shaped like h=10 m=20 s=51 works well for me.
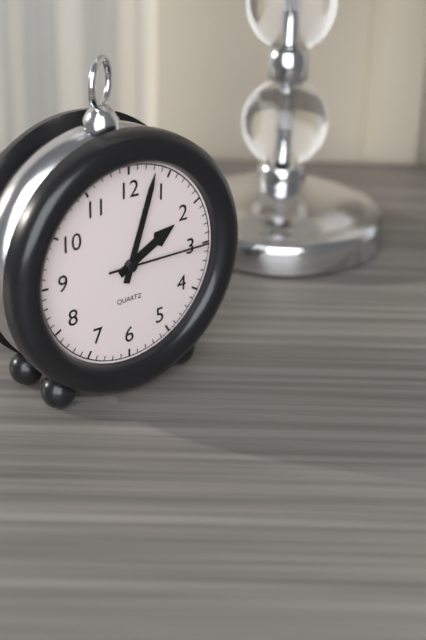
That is h=2 m=3 s=15
